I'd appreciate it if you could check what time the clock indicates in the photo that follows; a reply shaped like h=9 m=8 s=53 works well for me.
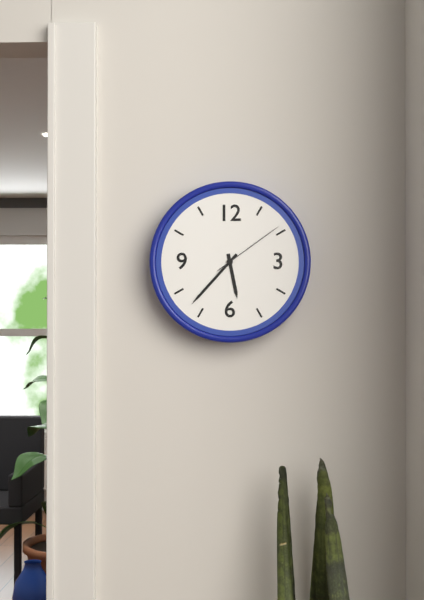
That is h=5 m=37 s=9
